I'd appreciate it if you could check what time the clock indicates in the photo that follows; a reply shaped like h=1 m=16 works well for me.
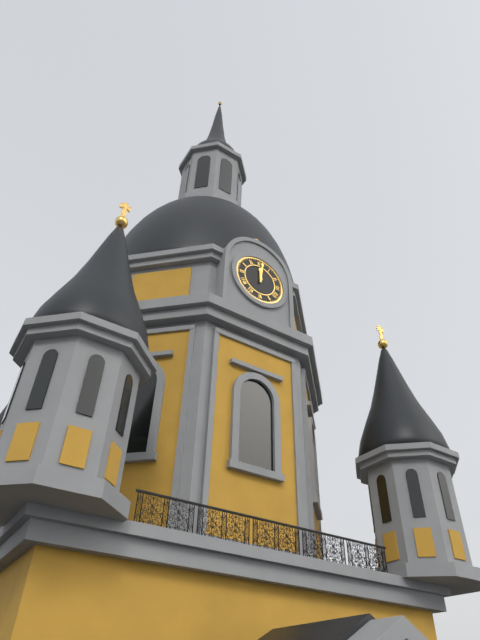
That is h=12 m=1
